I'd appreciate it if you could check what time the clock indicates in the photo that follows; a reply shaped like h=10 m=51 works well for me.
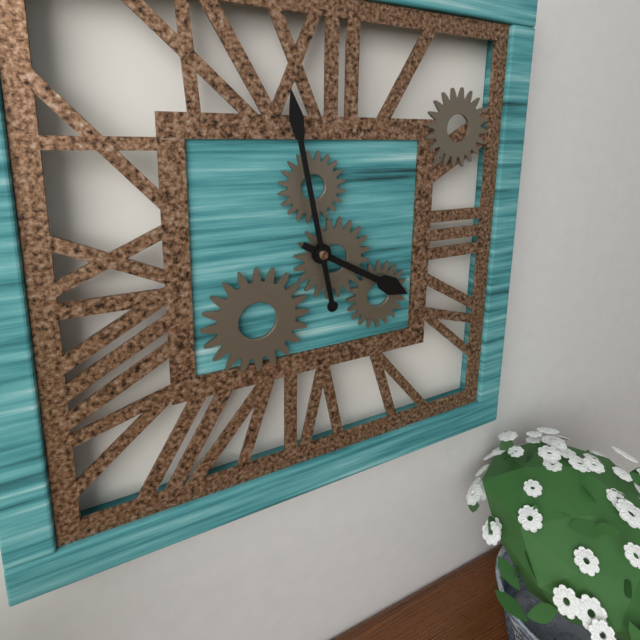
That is h=3 m=58
